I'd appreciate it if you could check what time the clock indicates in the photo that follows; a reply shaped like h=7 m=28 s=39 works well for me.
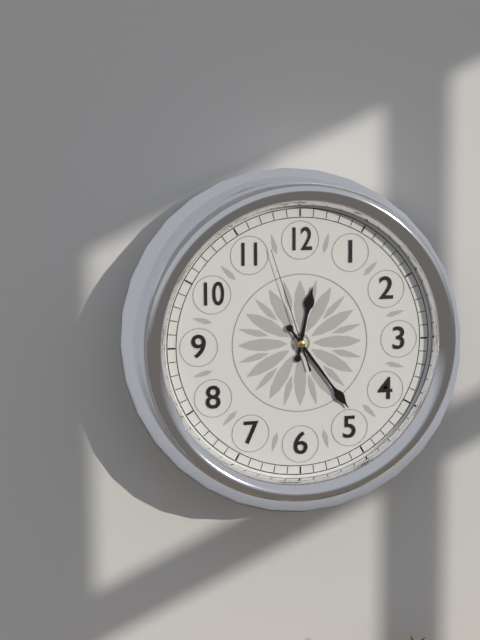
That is h=12 m=24 s=57
